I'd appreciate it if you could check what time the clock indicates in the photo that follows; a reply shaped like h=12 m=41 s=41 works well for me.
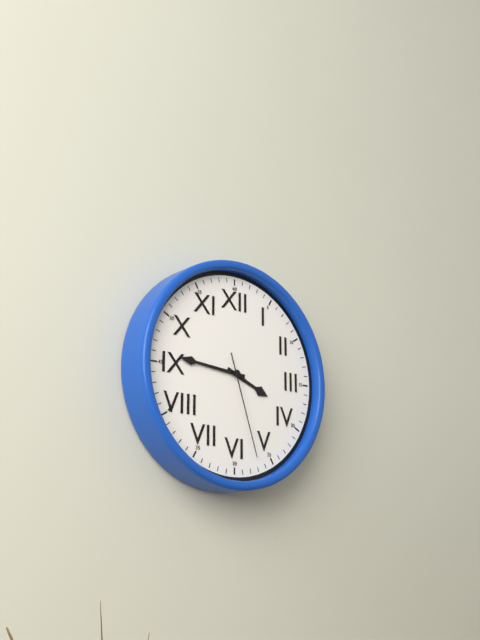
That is h=3 m=46 s=27
